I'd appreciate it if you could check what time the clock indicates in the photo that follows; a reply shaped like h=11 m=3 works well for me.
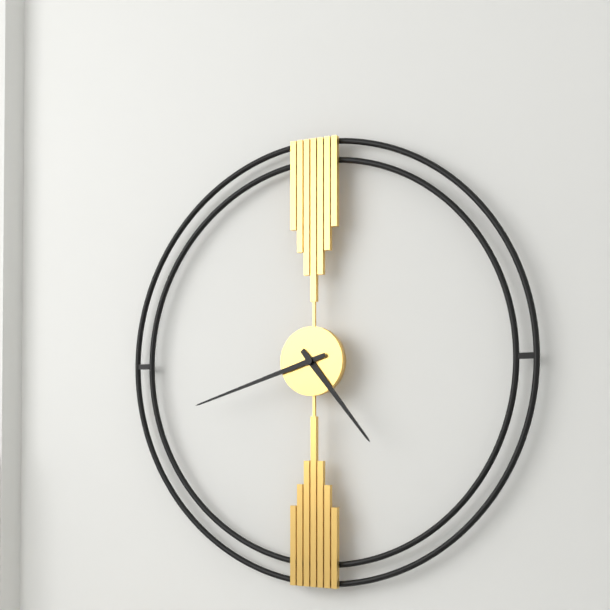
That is h=4 m=42
